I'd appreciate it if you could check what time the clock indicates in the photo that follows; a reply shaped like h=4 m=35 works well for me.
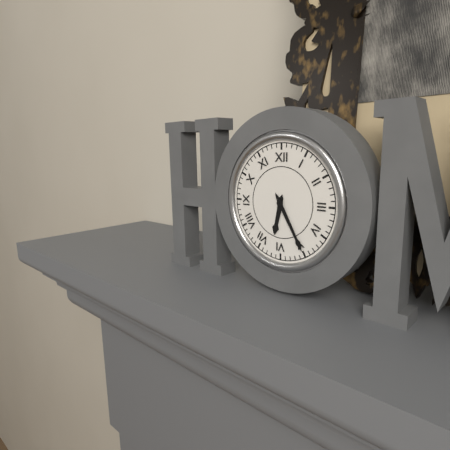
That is h=6 m=25
